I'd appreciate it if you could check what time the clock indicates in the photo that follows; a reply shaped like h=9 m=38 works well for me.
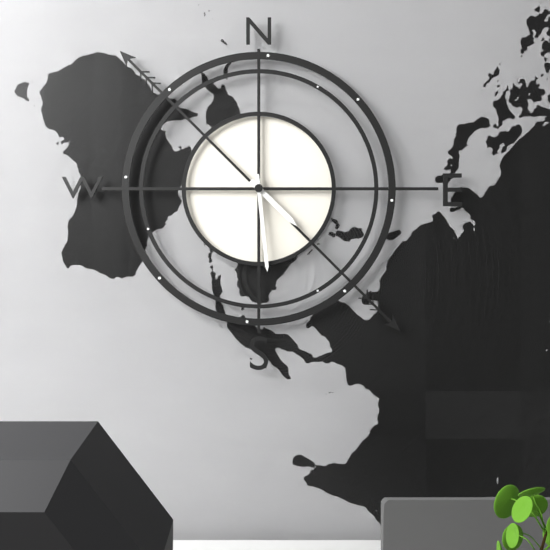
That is h=4 m=29
